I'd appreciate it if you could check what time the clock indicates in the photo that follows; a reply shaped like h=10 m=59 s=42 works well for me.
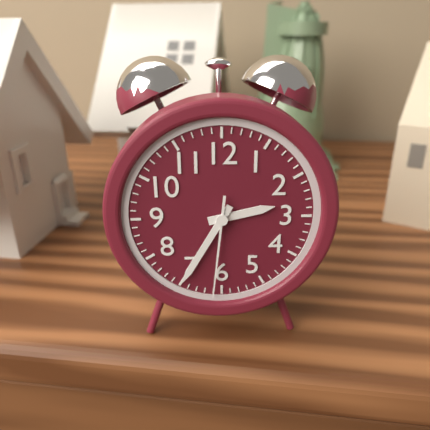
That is h=2 m=35 s=31
